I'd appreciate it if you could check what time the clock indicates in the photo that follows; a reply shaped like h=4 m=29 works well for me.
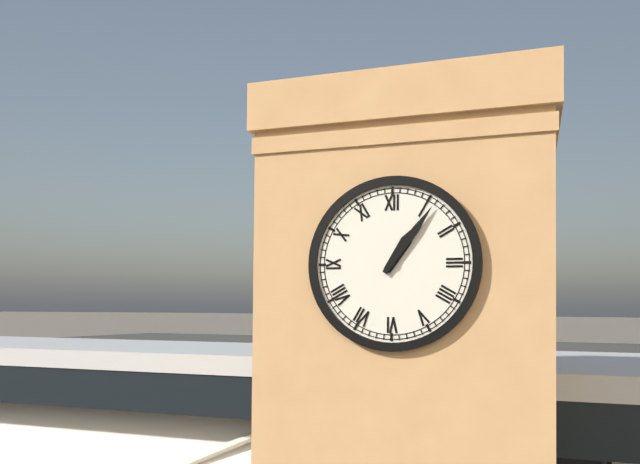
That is h=1 m=6
